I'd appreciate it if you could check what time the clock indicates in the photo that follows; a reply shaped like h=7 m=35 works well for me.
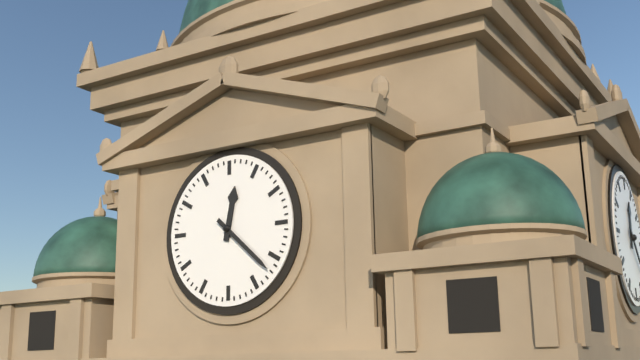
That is h=12 m=22
